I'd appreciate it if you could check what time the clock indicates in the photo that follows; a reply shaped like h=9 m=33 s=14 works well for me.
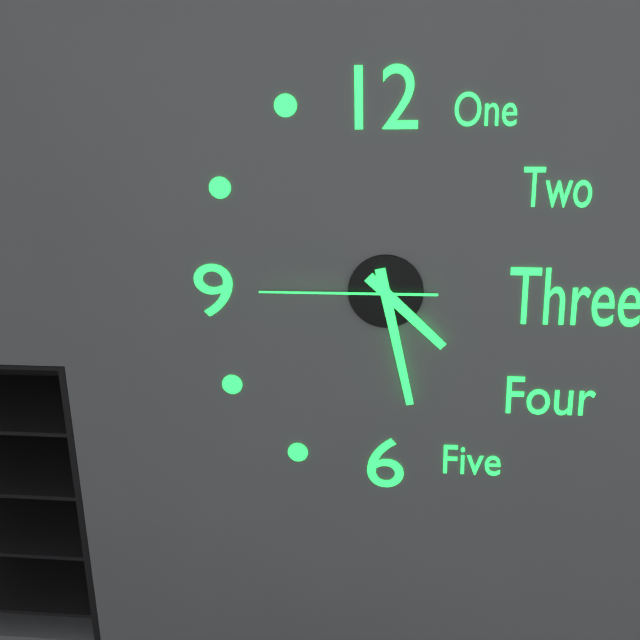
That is h=4 m=28 s=45
